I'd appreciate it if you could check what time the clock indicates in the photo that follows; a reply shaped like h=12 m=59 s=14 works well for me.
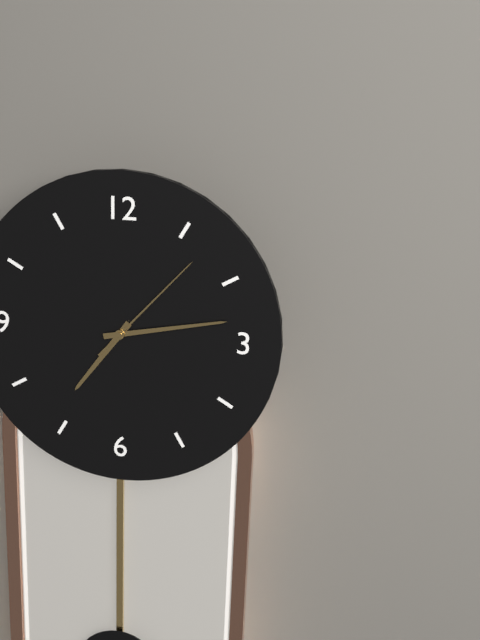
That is h=7 m=13 s=7
